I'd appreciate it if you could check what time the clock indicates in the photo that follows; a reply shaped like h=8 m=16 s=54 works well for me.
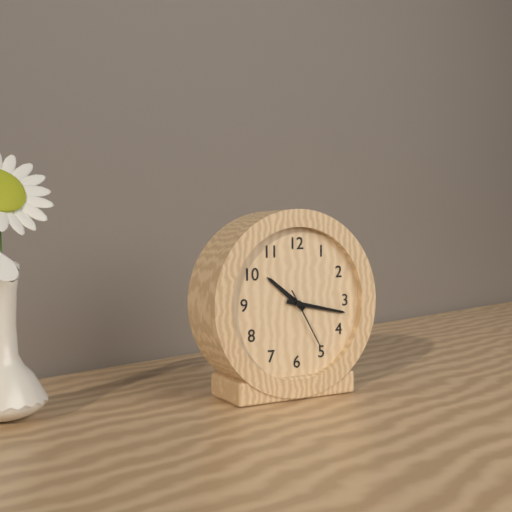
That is h=10 m=17 s=25
